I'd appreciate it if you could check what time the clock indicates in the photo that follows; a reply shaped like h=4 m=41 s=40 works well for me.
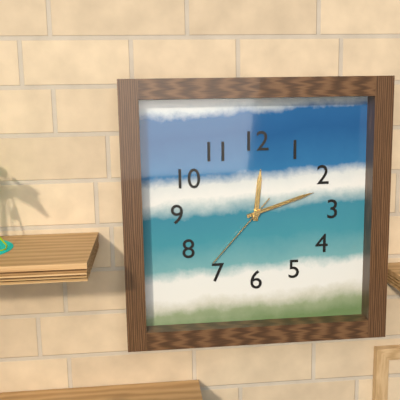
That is h=12 m=12 s=37
